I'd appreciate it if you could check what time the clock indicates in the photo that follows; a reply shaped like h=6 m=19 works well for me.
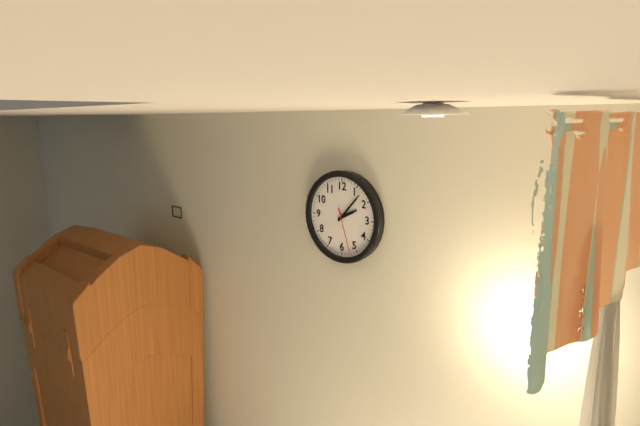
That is h=2 m=7
